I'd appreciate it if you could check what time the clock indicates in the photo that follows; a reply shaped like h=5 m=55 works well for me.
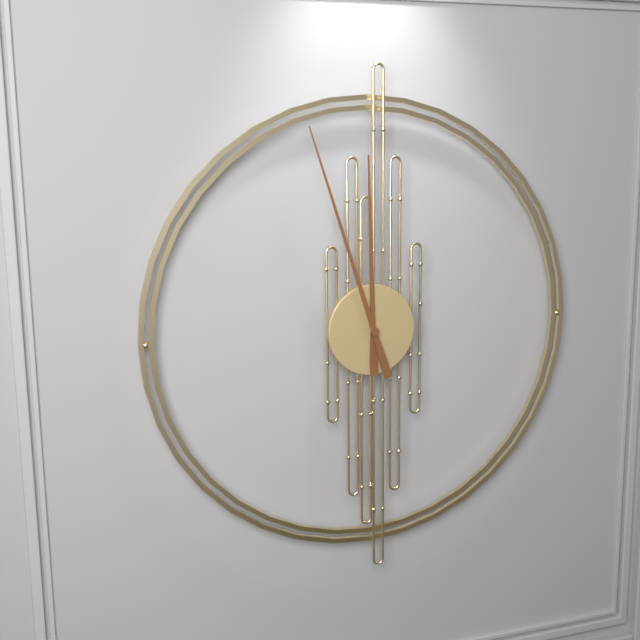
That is h=11 m=57
